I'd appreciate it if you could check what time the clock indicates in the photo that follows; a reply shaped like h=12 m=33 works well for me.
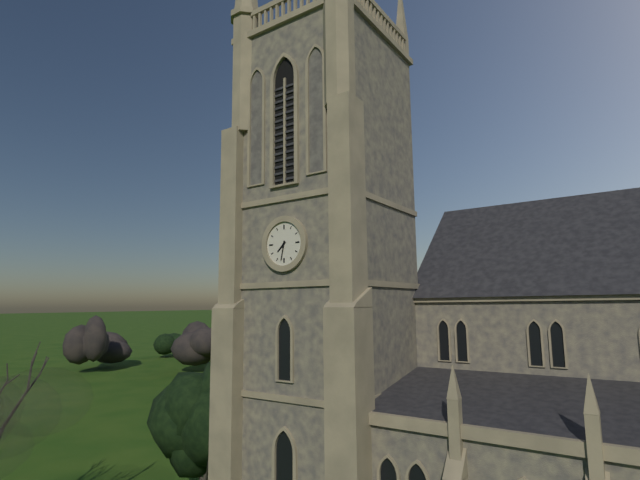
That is h=7 m=32
